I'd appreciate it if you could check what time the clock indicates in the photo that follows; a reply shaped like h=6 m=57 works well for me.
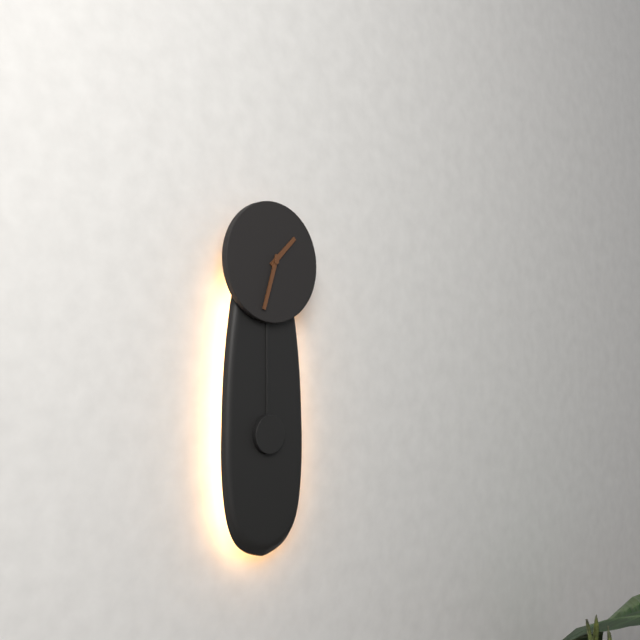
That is h=1 m=33
